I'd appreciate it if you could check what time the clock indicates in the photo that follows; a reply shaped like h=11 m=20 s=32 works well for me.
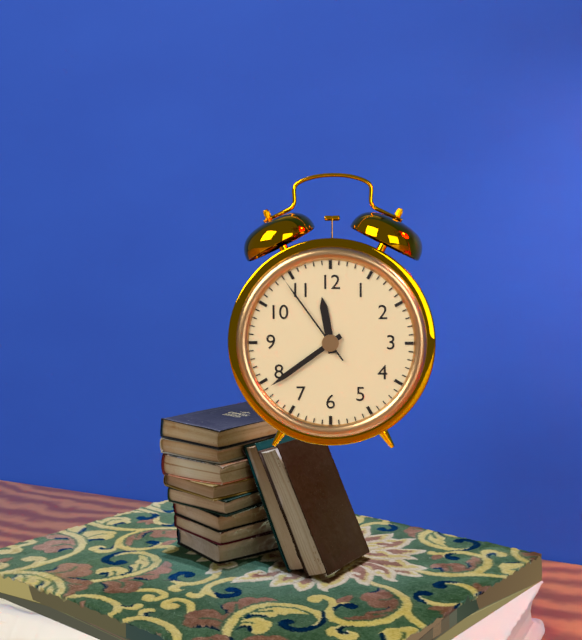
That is h=11 m=39 s=54
